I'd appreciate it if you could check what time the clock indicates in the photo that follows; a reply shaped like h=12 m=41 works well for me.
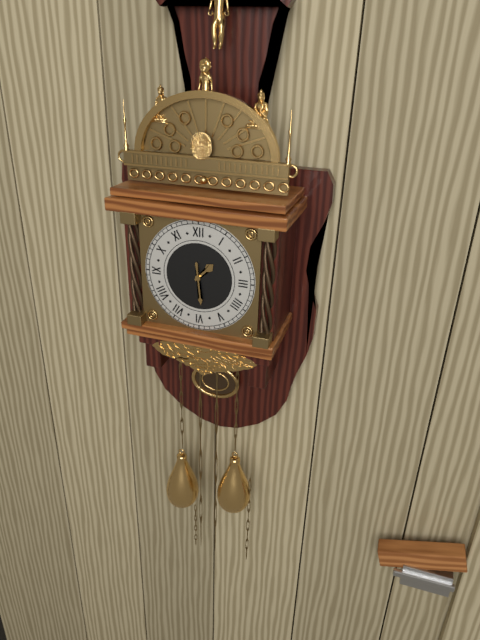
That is h=1 m=29
